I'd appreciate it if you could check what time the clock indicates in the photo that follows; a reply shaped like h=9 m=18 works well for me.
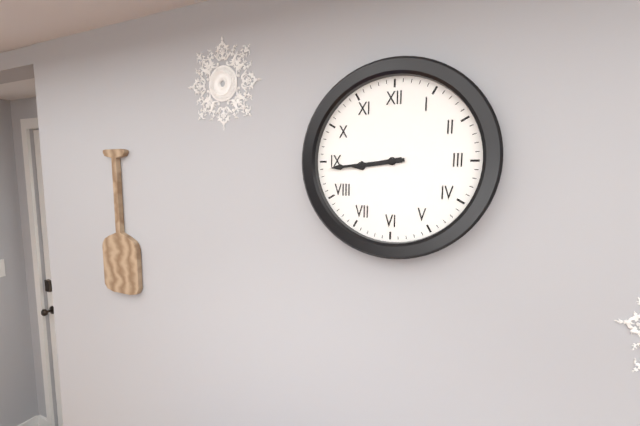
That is h=8 m=44
